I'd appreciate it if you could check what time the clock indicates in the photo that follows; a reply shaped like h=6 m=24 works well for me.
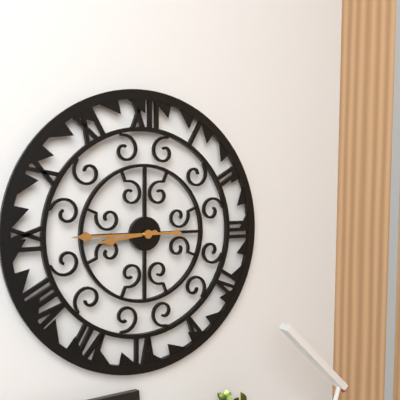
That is h=8 m=45
